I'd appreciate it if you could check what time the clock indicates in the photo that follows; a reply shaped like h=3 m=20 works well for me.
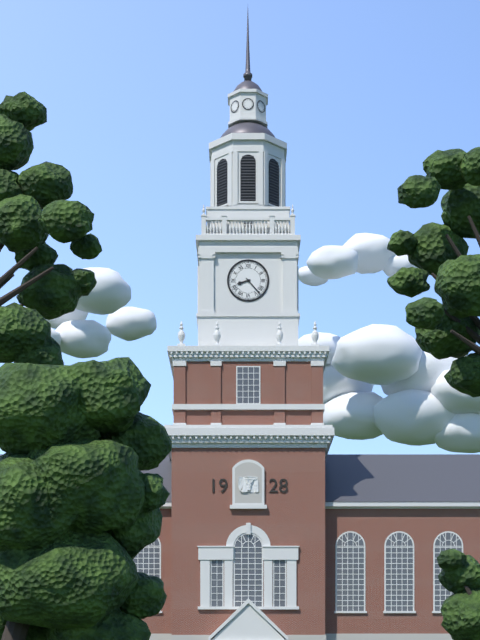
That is h=8 m=23
